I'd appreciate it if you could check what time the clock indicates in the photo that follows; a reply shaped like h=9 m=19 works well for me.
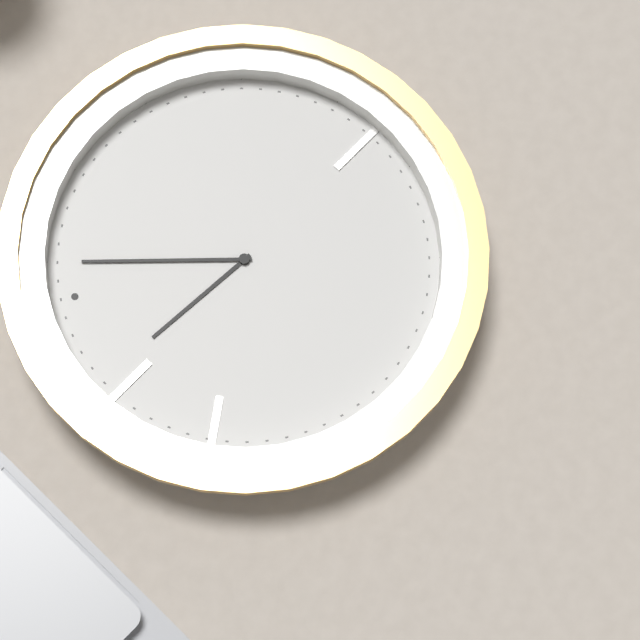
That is h=11 m=2
